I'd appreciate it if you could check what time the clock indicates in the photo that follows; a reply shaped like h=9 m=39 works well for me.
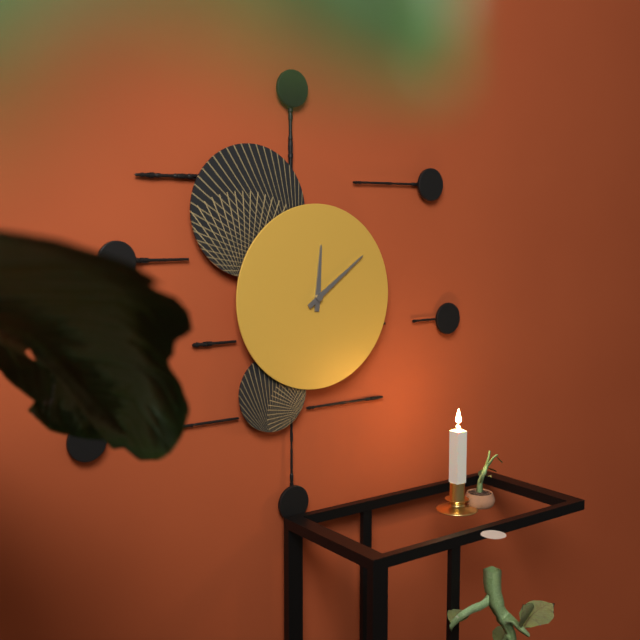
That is h=12 m=9
